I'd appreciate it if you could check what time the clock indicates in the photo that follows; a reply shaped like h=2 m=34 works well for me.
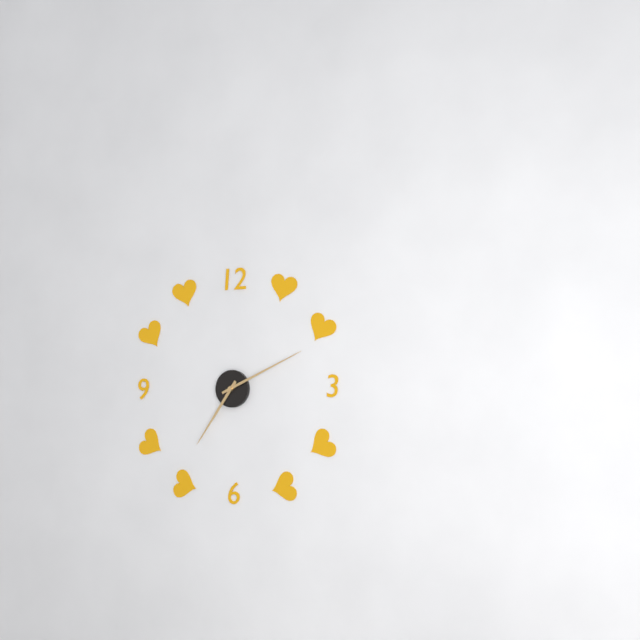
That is h=7 m=11
